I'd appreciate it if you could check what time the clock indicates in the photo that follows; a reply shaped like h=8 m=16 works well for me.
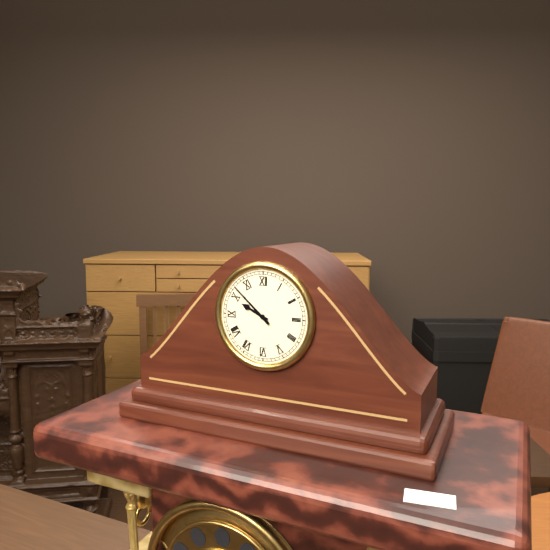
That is h=9 m=52
